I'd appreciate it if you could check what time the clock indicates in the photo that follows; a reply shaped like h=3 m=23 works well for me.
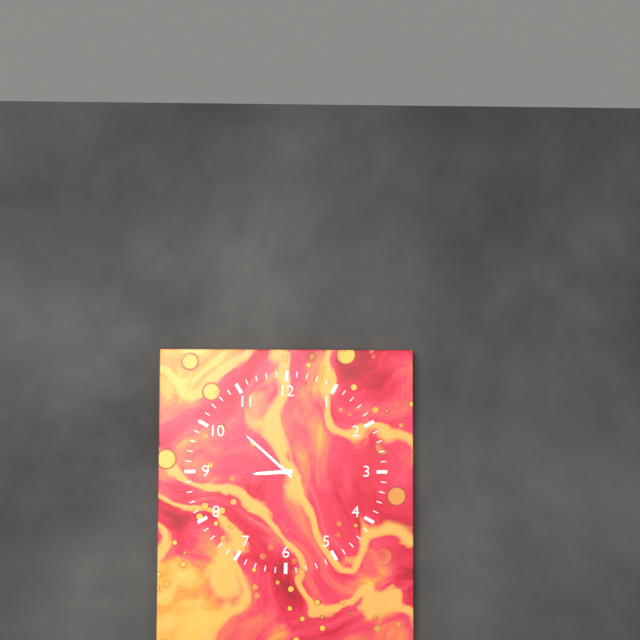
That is h=8 m=52
